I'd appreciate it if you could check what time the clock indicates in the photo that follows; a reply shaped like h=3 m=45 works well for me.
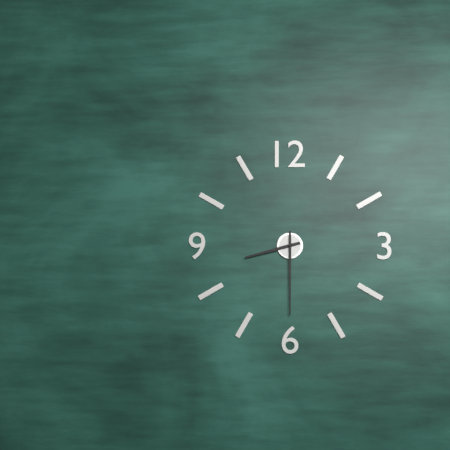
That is h=8 m=30
